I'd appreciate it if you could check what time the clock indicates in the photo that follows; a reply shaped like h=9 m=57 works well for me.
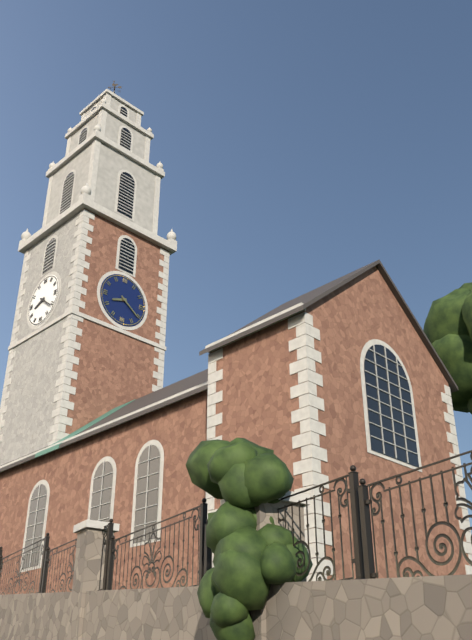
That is h=8 m=21
